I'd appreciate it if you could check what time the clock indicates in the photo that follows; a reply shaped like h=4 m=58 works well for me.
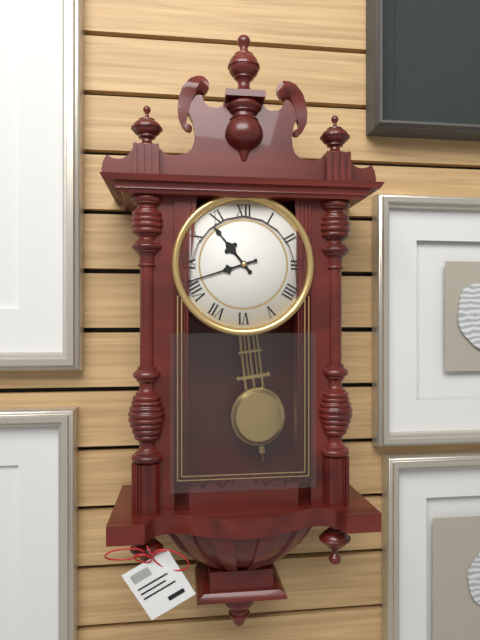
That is h=10 m=42
